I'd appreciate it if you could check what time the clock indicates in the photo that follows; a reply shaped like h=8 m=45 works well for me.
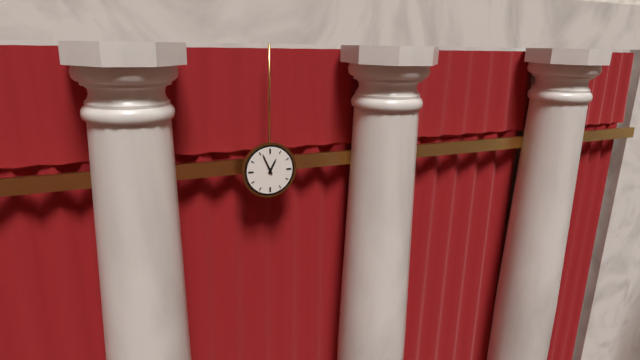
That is h=12 m=56
